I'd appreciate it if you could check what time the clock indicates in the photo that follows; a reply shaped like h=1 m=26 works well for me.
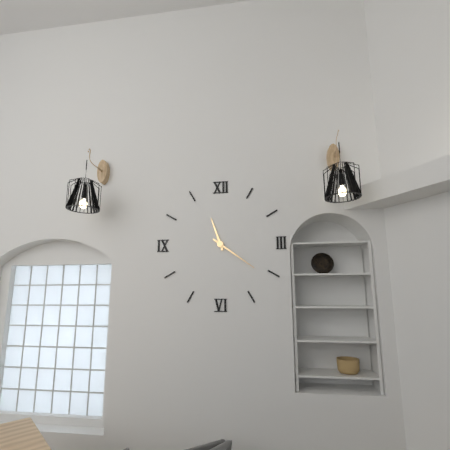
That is h=11 m=21
